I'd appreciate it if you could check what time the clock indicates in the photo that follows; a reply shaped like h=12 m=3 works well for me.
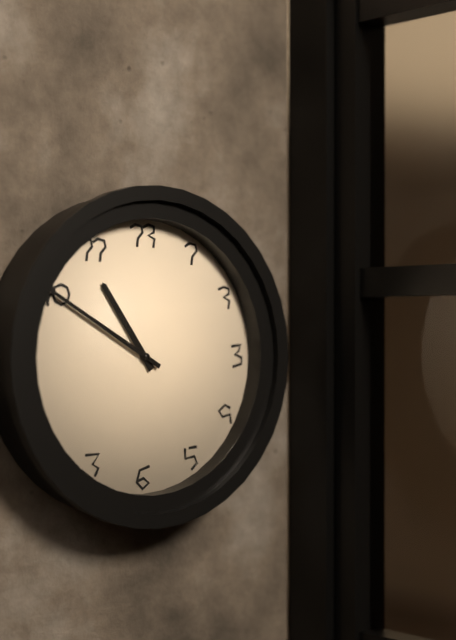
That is h=10 m=50
